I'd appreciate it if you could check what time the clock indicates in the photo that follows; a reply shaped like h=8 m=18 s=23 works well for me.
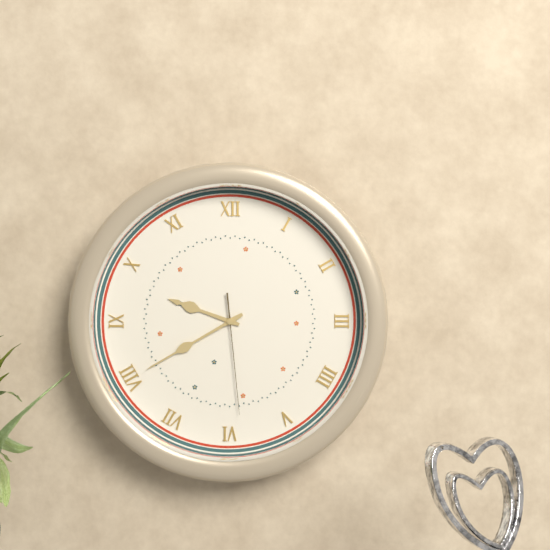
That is h=9 m=40 s=29
